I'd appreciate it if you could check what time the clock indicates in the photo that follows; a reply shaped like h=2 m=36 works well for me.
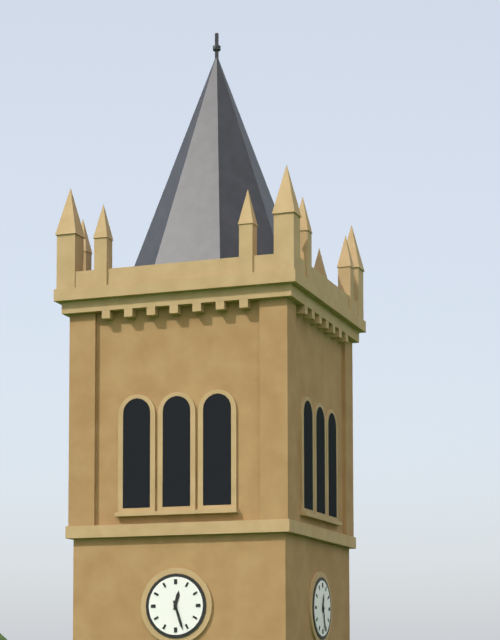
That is h=12 m=27
